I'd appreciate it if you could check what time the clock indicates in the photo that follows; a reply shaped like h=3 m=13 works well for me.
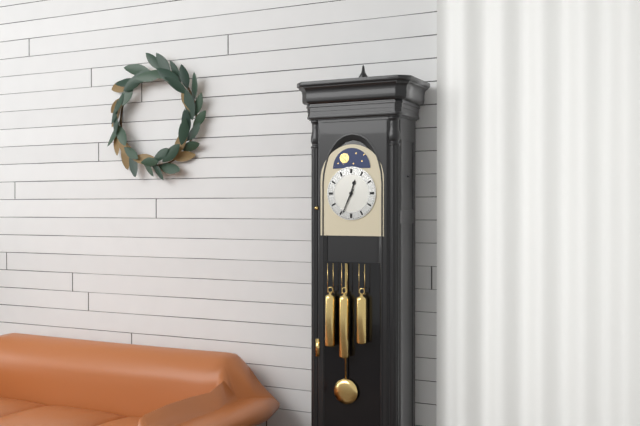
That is h=12 m=34
